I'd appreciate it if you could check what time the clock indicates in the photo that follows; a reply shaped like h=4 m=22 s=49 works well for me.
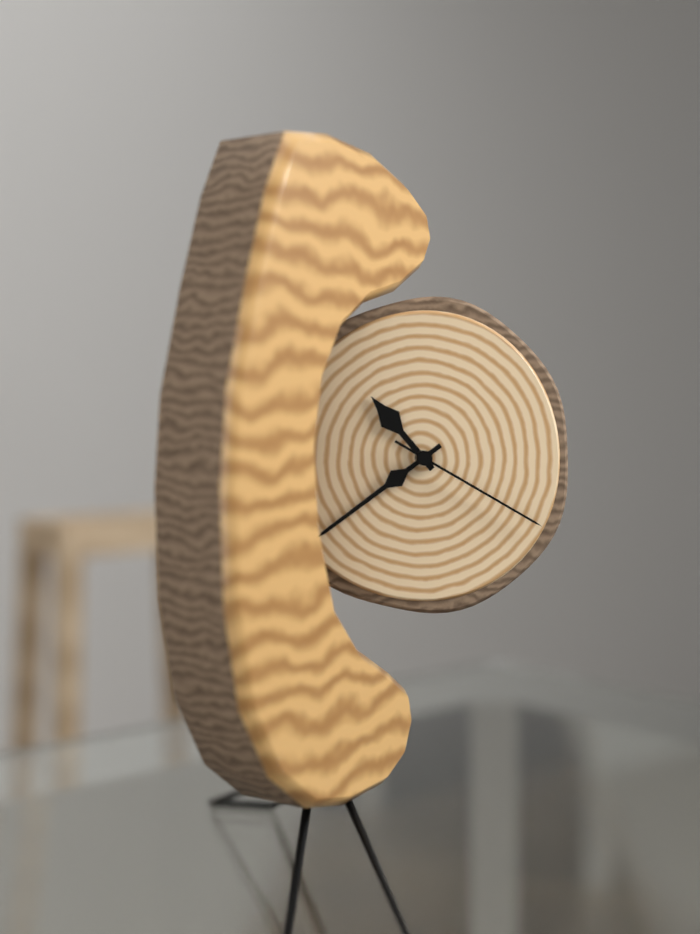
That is h=10 m=39 s=20
